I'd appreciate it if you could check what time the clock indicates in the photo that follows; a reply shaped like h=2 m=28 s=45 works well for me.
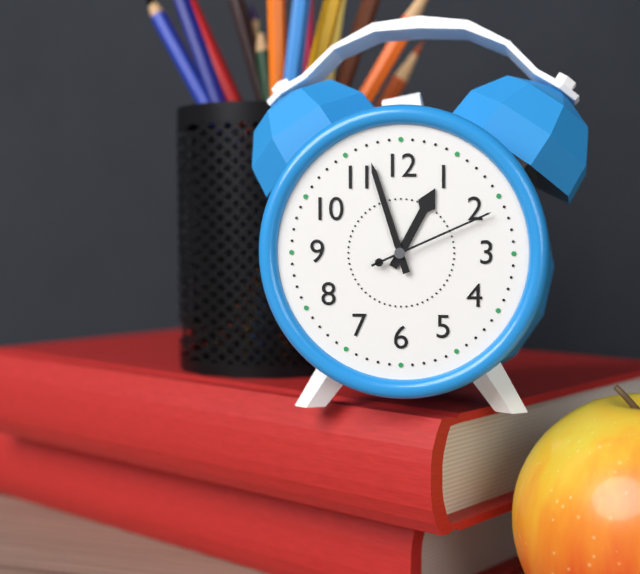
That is h=12 m=57 s=11
